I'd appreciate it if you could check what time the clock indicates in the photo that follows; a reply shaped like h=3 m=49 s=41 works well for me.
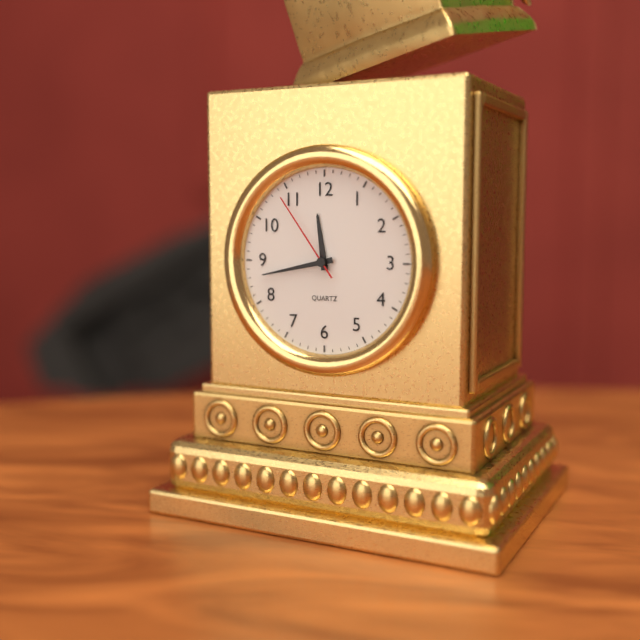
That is h=11 m=43 s=54
